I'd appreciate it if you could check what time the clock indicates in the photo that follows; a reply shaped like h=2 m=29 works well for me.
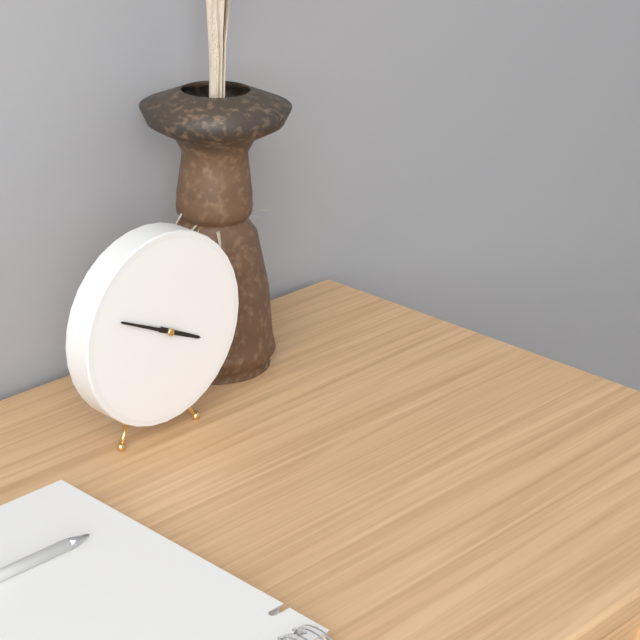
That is h=3 m=49
